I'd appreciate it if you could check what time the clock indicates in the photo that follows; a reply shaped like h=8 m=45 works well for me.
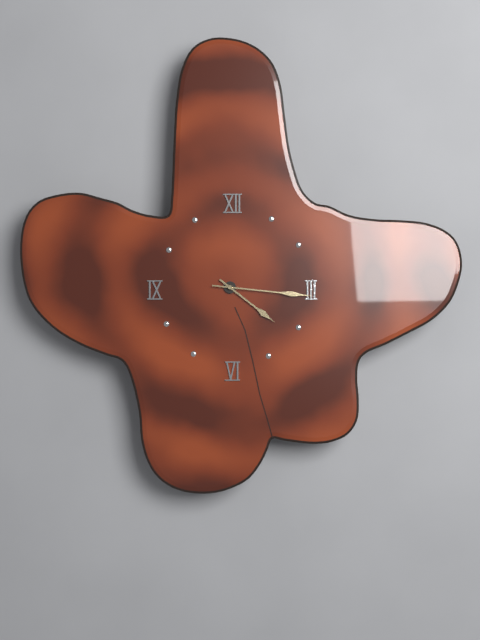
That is h=4 m=16
